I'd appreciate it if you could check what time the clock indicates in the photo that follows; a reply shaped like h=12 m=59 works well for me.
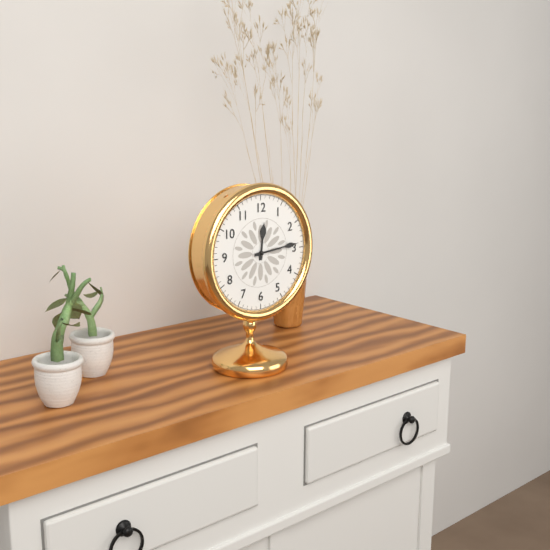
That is h=12 m=14
